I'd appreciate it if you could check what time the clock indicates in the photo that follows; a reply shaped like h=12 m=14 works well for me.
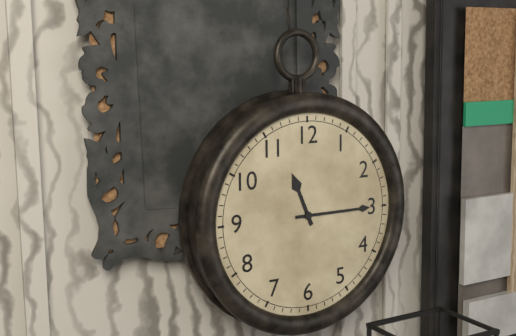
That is h=11 m=15
